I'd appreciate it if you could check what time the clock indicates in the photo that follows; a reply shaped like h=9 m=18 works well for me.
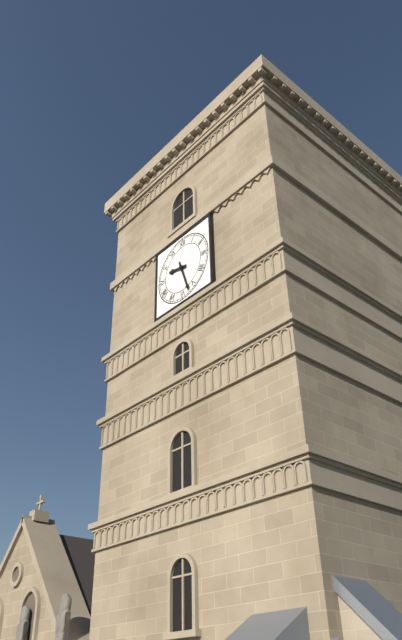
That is h=9 m=27
